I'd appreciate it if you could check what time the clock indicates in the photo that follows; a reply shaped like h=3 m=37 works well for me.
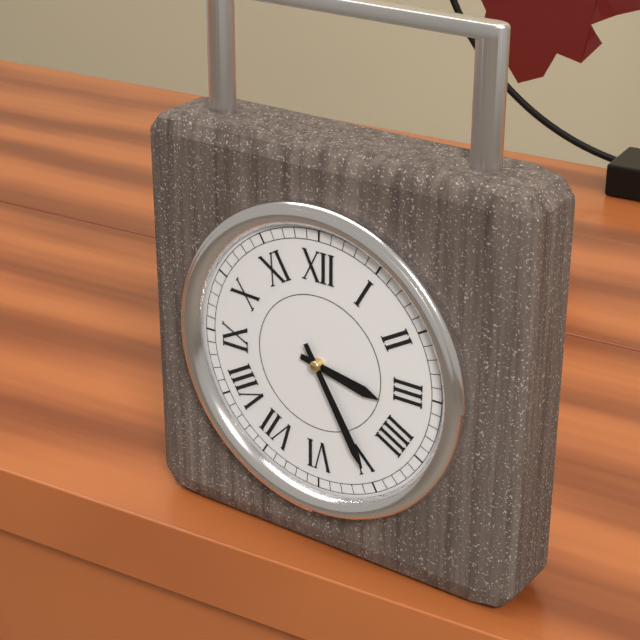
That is h=3 m=25
